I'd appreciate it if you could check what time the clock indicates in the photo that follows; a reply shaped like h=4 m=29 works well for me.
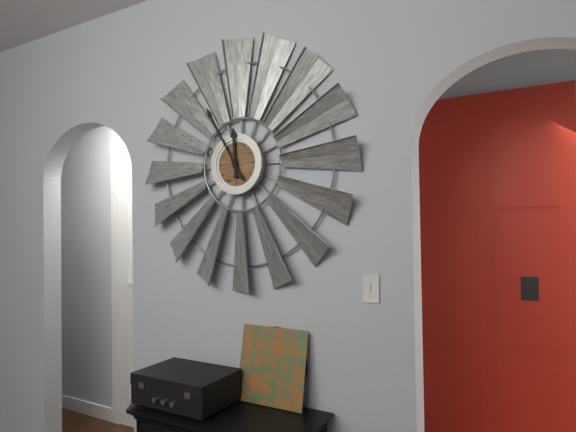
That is h=11 m=55
